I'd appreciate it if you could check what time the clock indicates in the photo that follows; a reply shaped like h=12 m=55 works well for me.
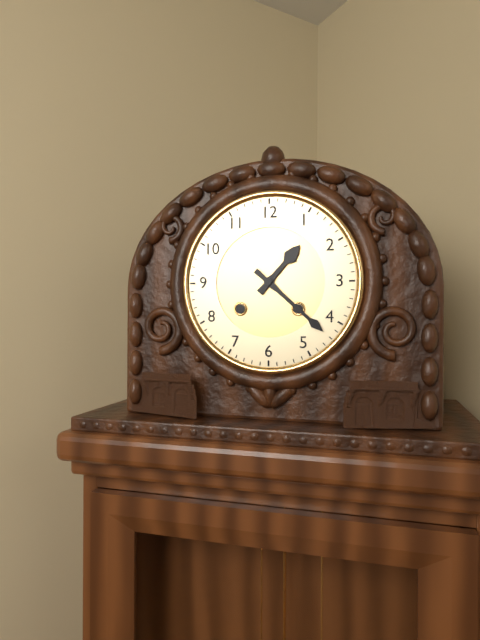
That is h=1 m=22
